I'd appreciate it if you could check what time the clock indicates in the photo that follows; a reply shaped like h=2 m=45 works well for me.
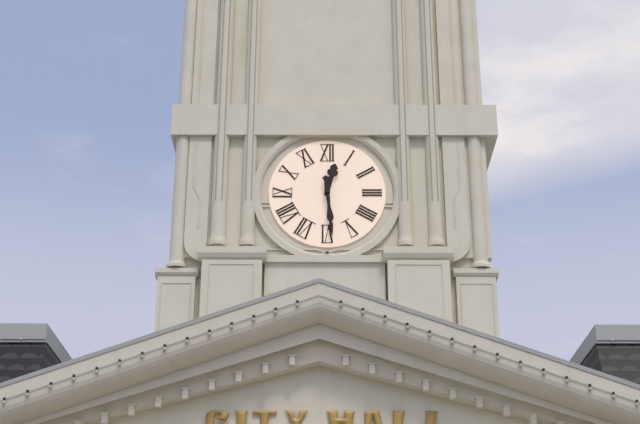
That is h=12 m=29
